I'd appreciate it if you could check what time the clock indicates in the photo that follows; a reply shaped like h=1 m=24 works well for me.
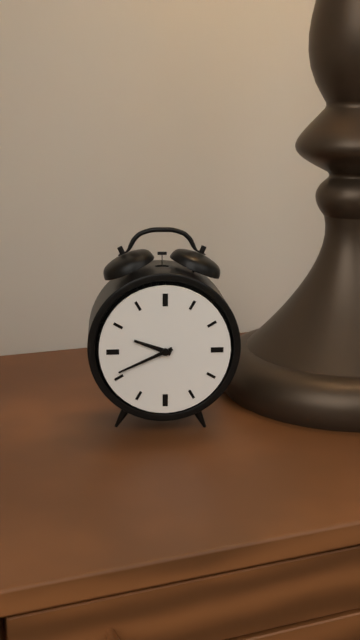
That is h=9 m=41
